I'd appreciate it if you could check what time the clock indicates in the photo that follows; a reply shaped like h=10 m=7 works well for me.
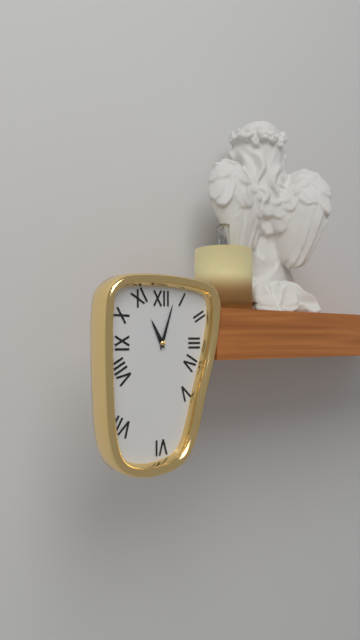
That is h=11 m=3
